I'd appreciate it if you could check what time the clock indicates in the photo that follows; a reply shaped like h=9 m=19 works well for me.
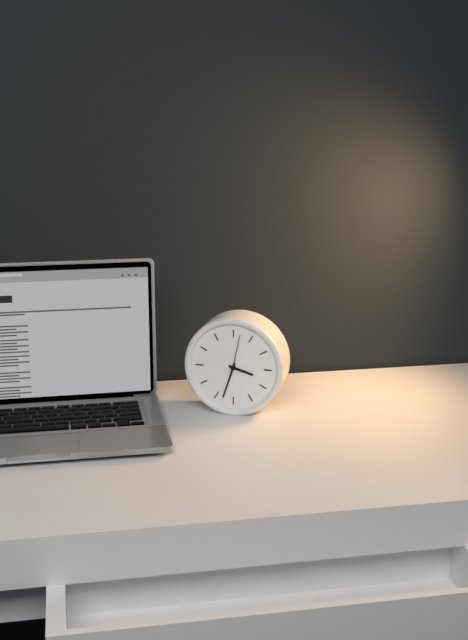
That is h=3 m=33
